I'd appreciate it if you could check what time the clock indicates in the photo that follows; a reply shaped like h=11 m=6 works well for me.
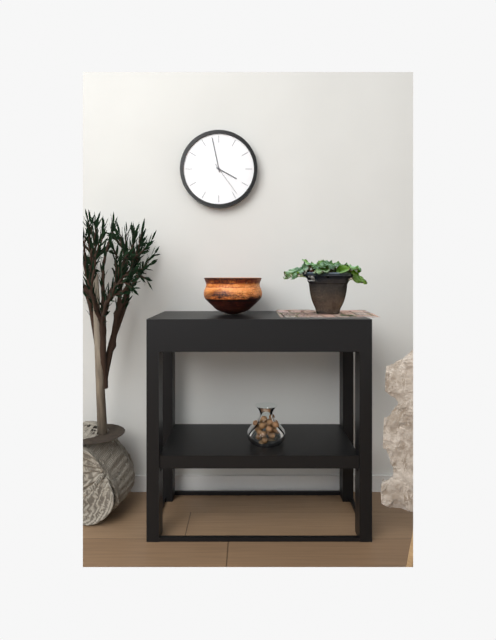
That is h=3 m=58
